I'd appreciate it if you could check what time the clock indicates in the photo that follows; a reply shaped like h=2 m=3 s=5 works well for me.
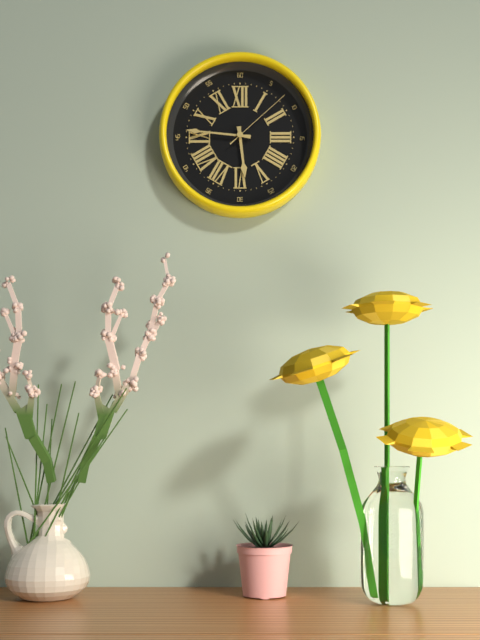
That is h=5 m=46 s=8
